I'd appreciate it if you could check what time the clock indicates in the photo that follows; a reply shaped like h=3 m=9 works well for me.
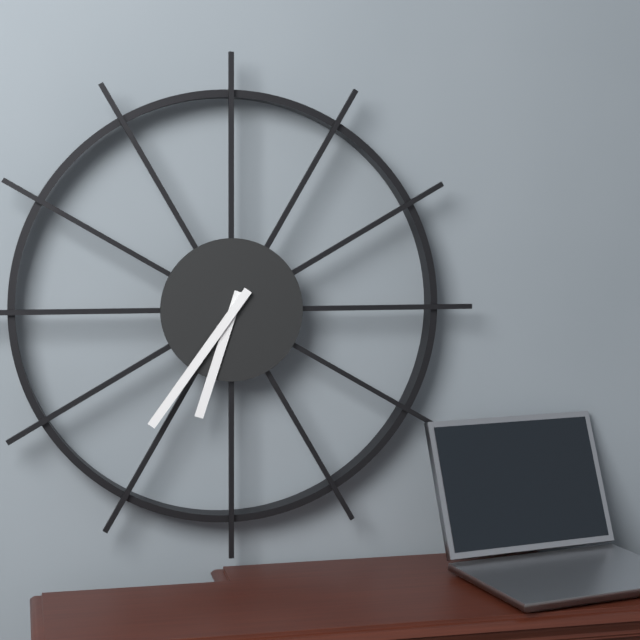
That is h=6 m=36
